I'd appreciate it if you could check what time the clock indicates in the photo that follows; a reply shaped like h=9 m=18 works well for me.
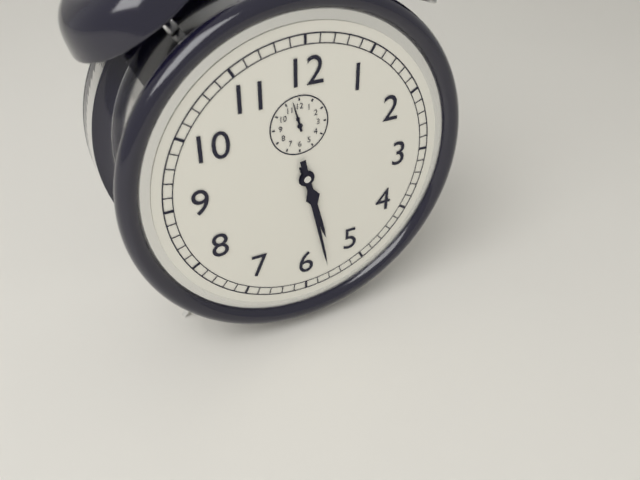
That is h=5 m=28
